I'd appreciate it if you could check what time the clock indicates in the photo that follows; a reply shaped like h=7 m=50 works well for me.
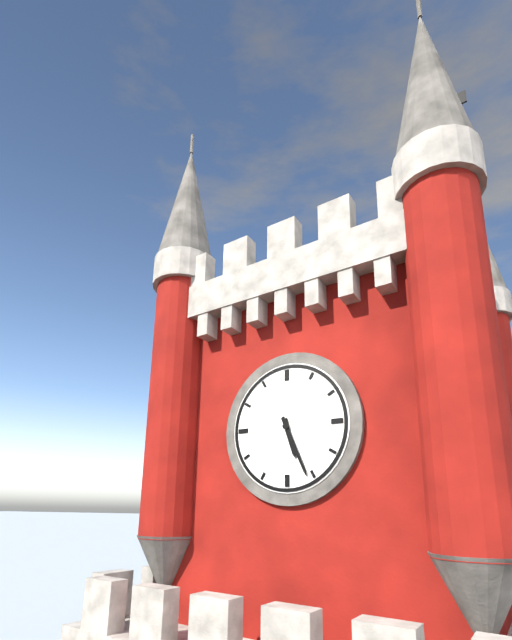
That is h=5 m=26
